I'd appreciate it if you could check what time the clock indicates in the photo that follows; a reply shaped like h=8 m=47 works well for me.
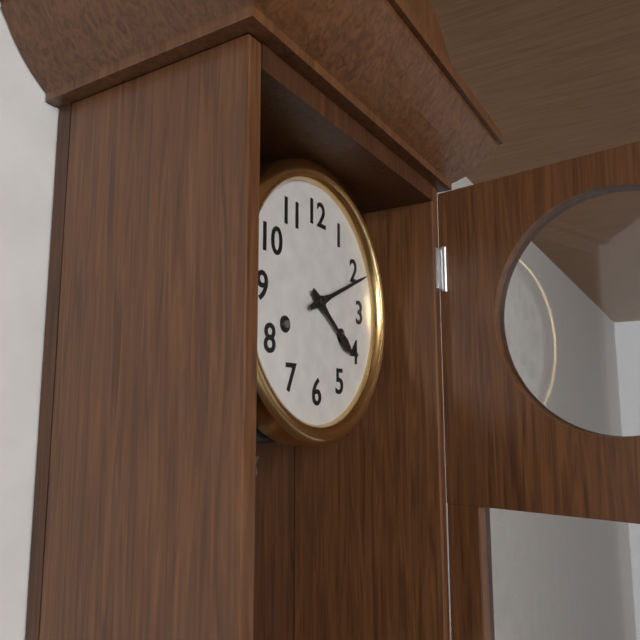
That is h=4 m=11
